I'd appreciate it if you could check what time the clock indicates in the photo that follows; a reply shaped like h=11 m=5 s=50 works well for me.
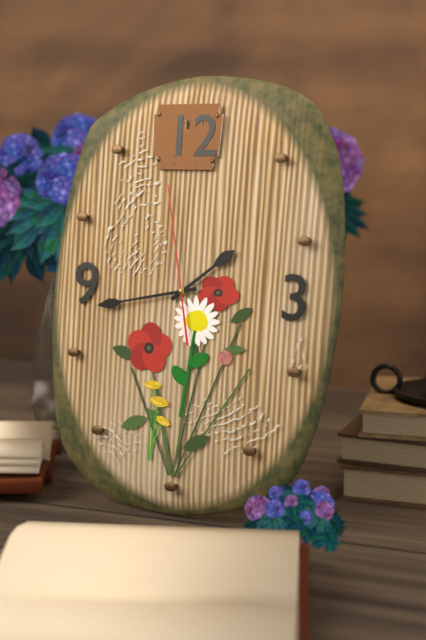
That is h=1 m=43 s=58
